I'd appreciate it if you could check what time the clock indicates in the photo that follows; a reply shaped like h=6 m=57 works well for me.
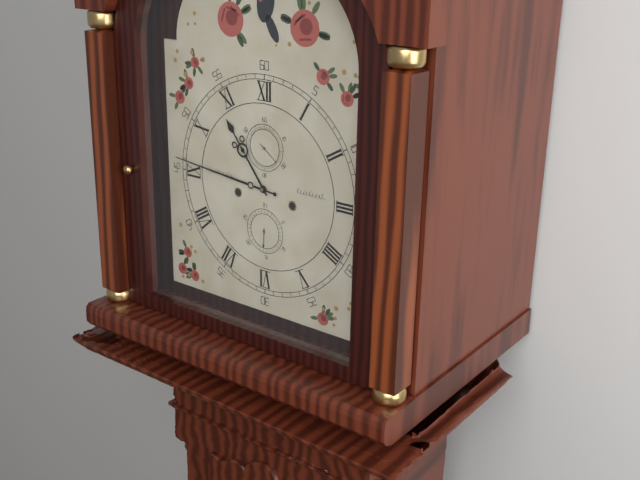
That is h=10 m=46
